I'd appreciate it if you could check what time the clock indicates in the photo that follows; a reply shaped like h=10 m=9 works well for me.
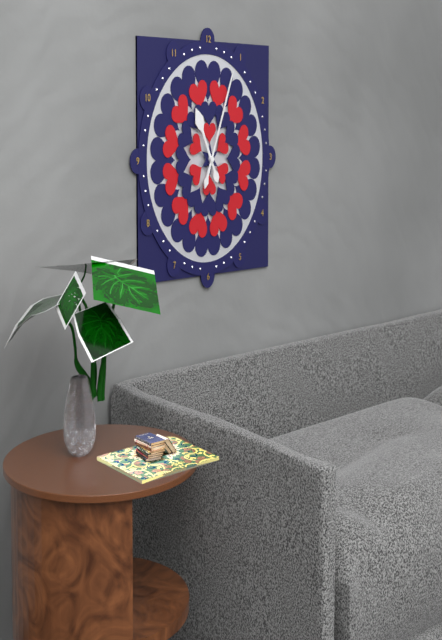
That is h=11 m=4
